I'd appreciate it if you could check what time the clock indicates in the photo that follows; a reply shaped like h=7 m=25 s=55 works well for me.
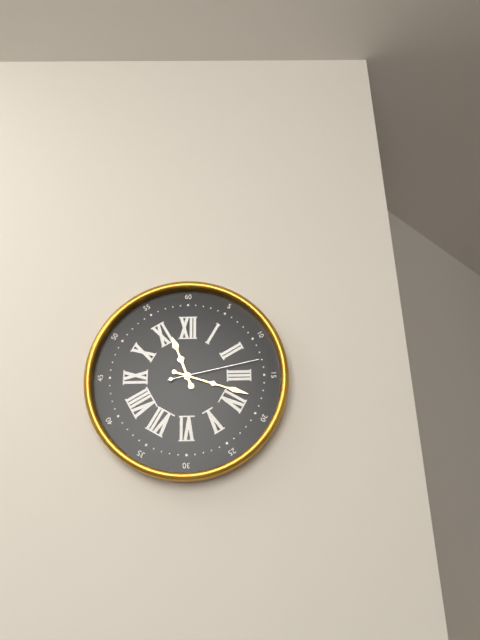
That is h=11 m=18 s=13
